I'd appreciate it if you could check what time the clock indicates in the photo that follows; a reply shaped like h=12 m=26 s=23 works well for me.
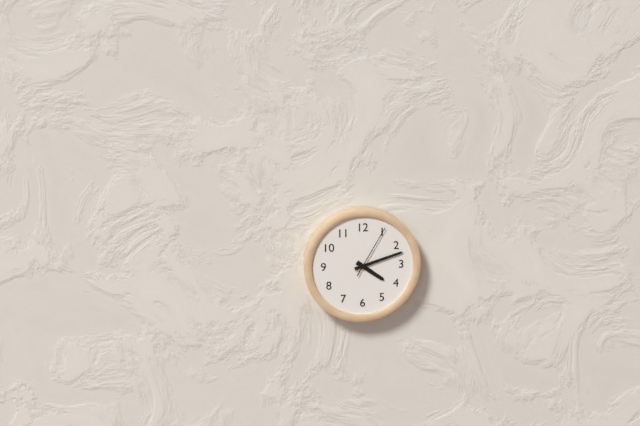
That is h=4 m=12 s=5
